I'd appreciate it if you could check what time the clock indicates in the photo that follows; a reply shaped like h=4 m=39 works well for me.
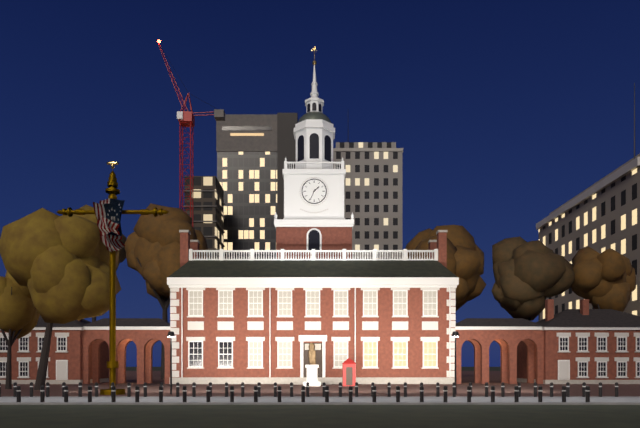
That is h=1 m=34
